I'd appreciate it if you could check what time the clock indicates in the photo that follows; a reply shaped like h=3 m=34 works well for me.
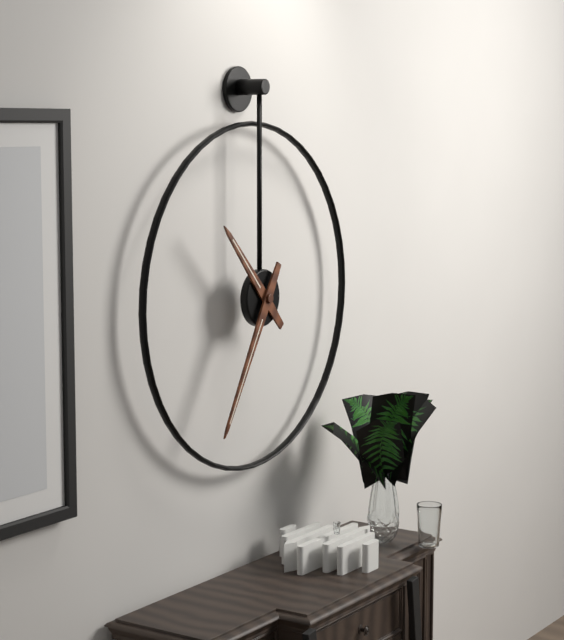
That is h=10 m=35
